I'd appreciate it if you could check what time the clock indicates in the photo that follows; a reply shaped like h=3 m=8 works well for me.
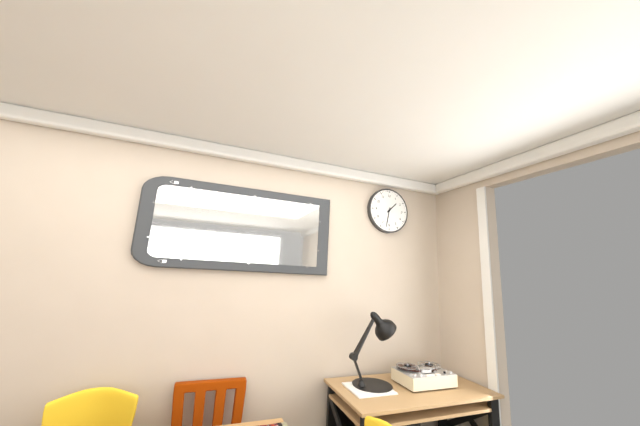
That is h=1 m=32
